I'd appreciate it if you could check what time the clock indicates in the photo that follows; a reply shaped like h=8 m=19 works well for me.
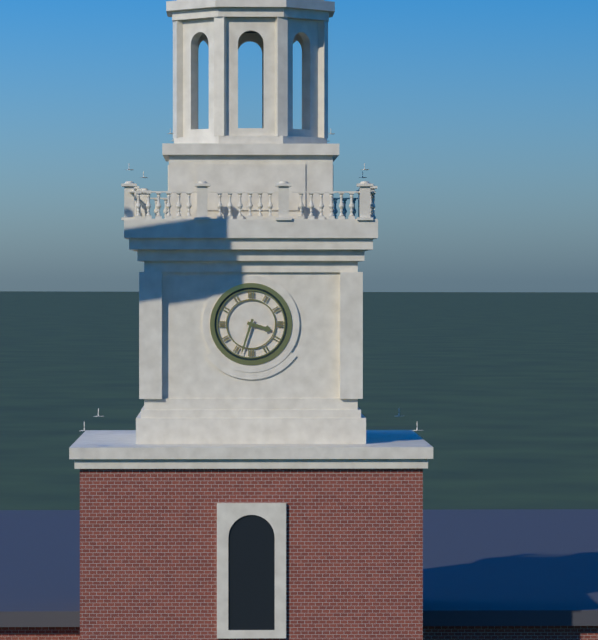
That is h=3 m=33
